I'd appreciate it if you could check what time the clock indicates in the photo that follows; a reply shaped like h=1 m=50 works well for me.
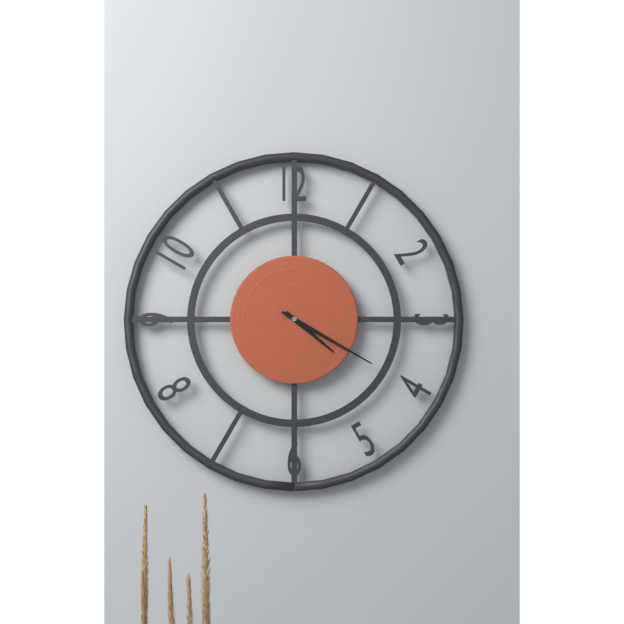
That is h=4 m=20
